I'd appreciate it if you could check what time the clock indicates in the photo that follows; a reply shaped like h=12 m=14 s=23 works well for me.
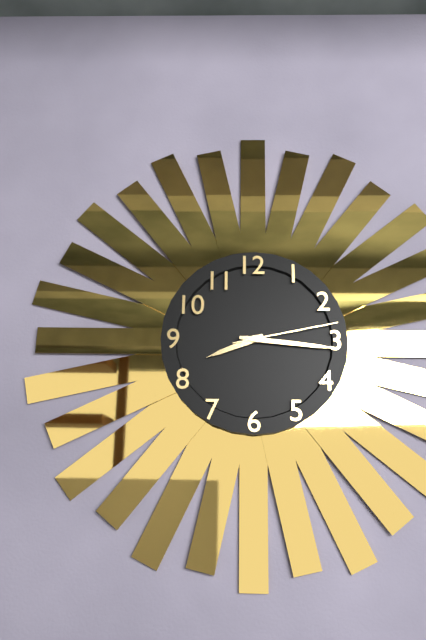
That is h=8 m=16 s=13
